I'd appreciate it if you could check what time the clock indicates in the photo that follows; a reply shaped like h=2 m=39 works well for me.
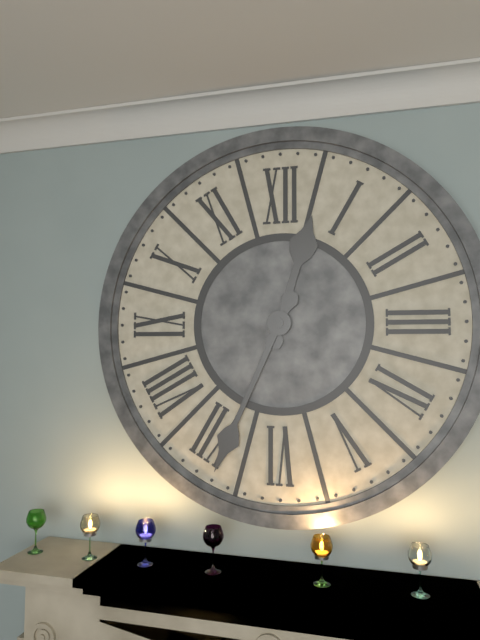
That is h=12 m=34
